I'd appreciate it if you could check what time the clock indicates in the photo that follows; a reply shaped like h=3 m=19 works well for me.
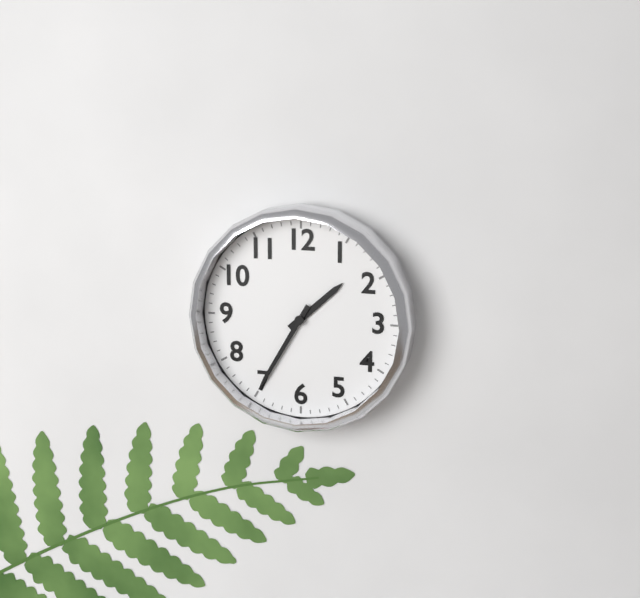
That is h=1 m=35
